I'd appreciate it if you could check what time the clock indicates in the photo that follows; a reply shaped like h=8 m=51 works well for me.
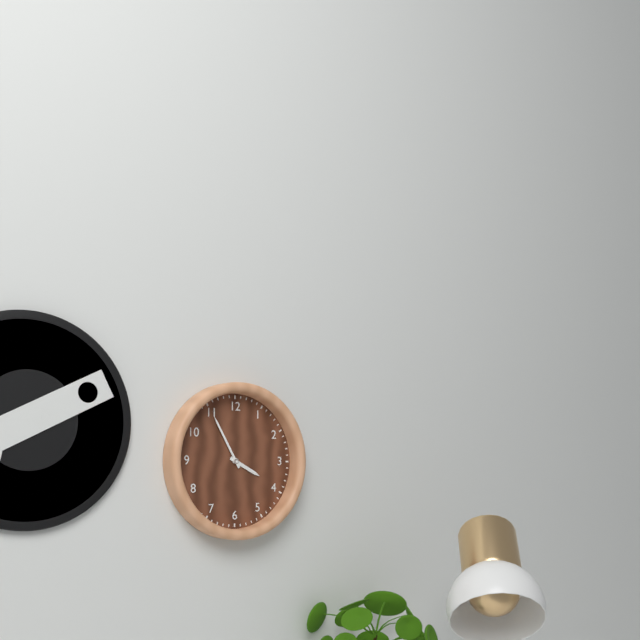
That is h=3 m=55
